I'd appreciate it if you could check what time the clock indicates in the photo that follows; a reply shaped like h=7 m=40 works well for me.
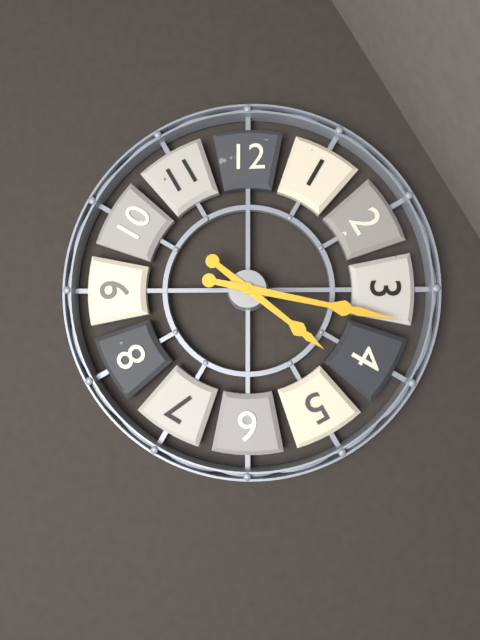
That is h=4 m=17
